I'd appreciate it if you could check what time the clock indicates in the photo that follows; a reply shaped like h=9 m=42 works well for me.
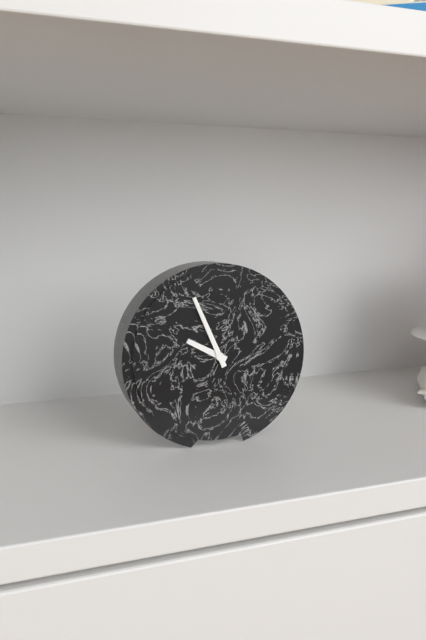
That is h=9 m=56
